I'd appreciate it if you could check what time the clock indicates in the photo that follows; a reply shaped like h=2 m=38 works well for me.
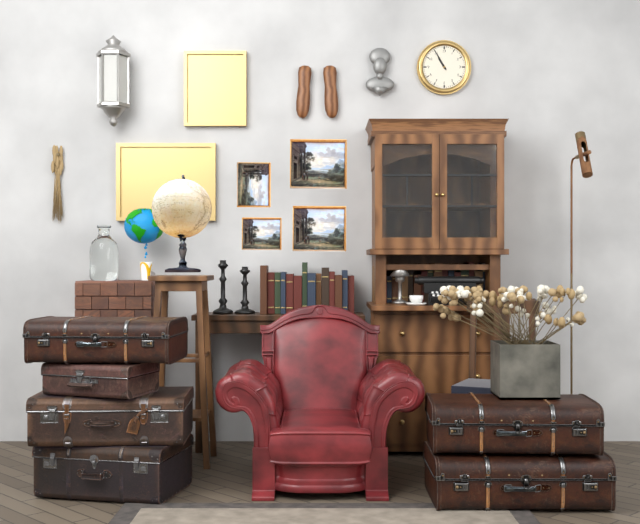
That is h=10 m=55
